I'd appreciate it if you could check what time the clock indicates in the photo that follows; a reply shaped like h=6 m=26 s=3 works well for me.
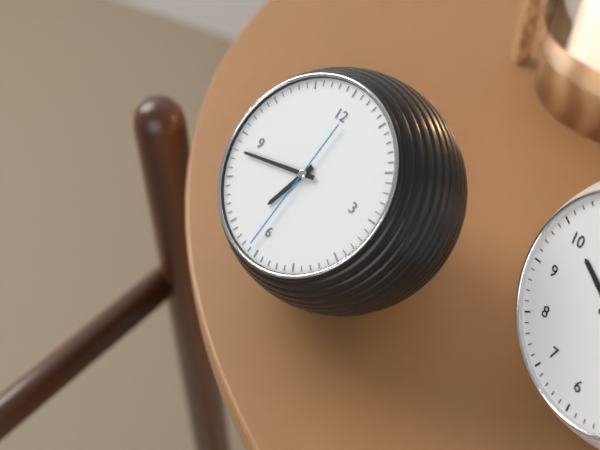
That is h=6 m=43 s=31
